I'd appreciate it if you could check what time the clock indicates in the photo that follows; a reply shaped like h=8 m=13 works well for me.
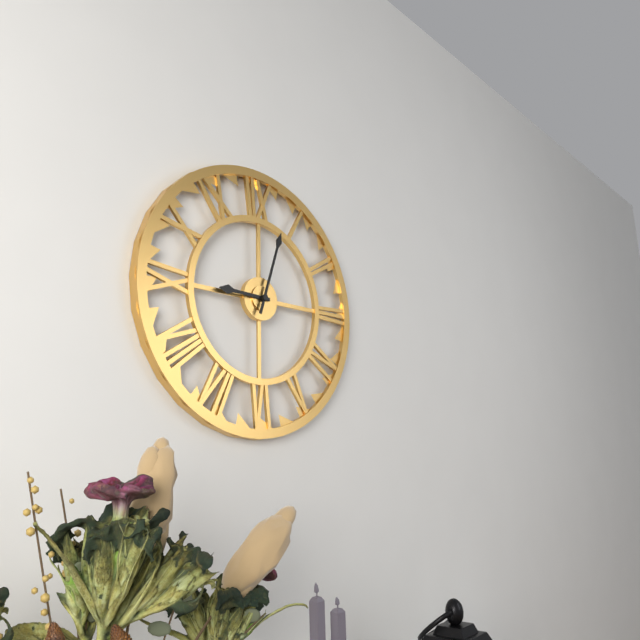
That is h=9 m=3
